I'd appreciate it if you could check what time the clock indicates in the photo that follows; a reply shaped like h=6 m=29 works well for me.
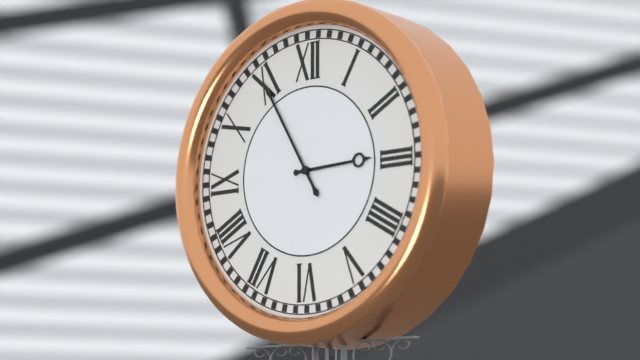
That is h=2 m=55
